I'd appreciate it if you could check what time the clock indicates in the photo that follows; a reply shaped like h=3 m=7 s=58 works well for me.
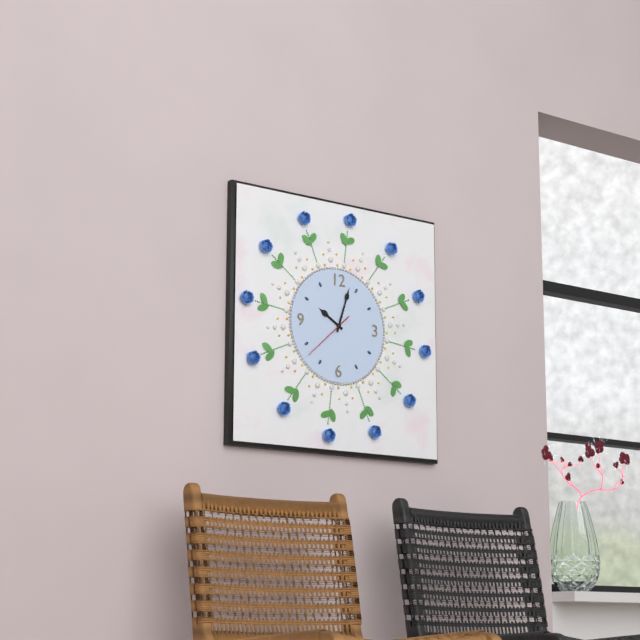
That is h=10 m=3 s=38
